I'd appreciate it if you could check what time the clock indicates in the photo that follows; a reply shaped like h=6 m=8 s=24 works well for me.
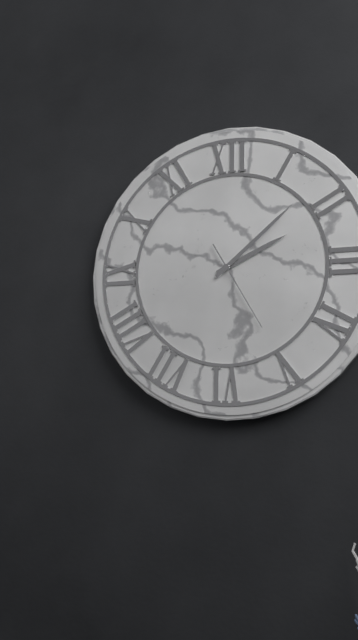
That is h=2 m=8 s=25
